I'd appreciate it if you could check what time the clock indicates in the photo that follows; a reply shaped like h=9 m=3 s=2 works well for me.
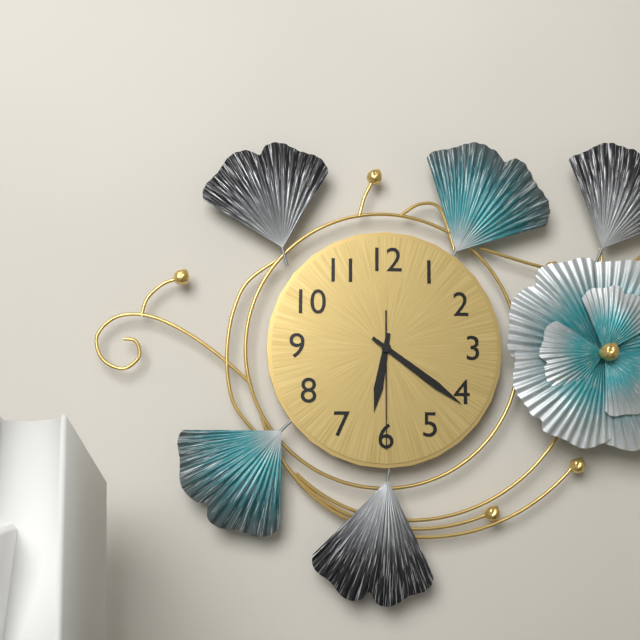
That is h=6 m=21 s=30
